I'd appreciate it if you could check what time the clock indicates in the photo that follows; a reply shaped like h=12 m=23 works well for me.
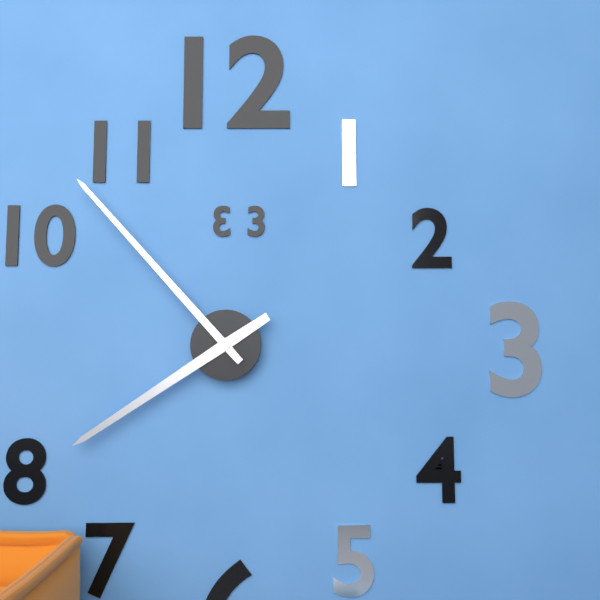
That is h=7 m=53
